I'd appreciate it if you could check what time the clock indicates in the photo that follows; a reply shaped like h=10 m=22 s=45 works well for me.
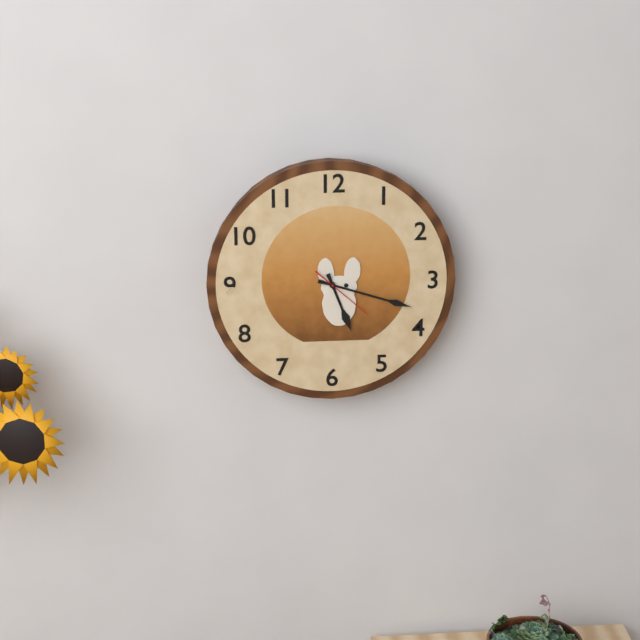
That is h=5 m=18 s=22
